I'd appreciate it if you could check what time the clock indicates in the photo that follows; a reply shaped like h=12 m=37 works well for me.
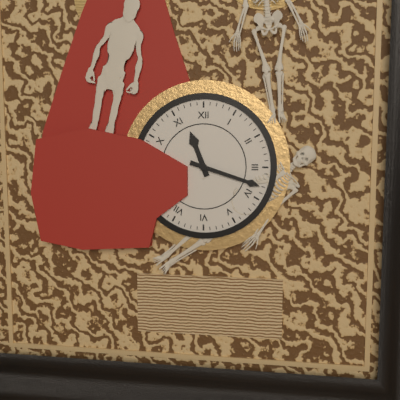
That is h=11 m=18
